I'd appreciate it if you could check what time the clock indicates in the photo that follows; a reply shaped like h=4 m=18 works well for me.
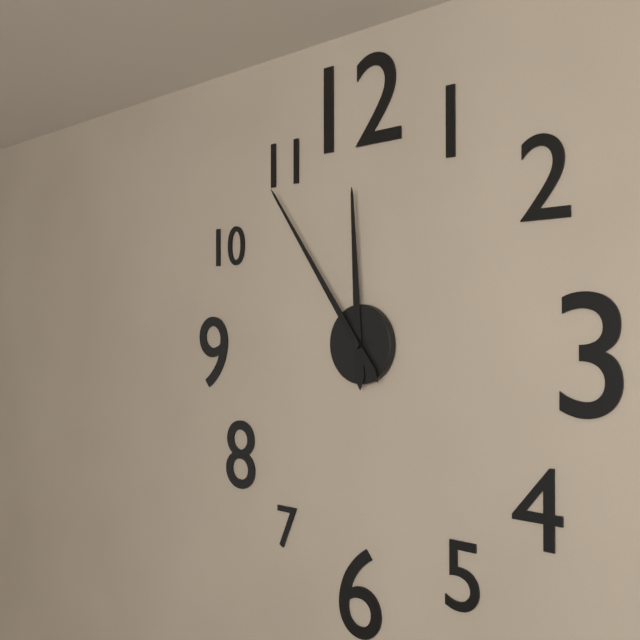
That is h=11 m=54
